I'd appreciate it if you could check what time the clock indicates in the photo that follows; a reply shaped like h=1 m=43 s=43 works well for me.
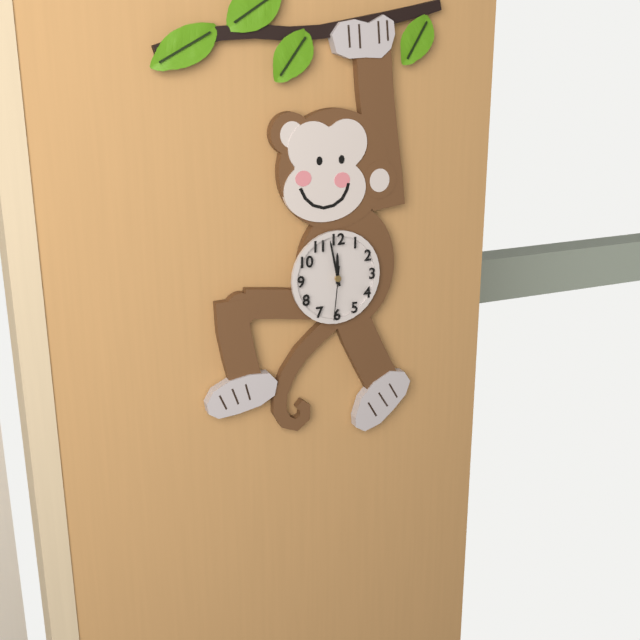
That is h=11 m=58 s=31
